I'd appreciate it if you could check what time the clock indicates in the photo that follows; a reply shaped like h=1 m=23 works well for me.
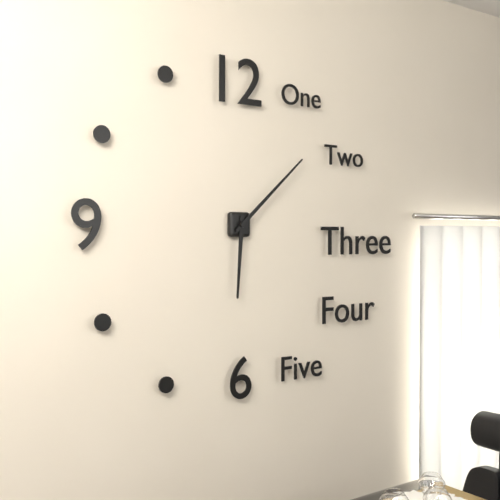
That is h=6 m=8
